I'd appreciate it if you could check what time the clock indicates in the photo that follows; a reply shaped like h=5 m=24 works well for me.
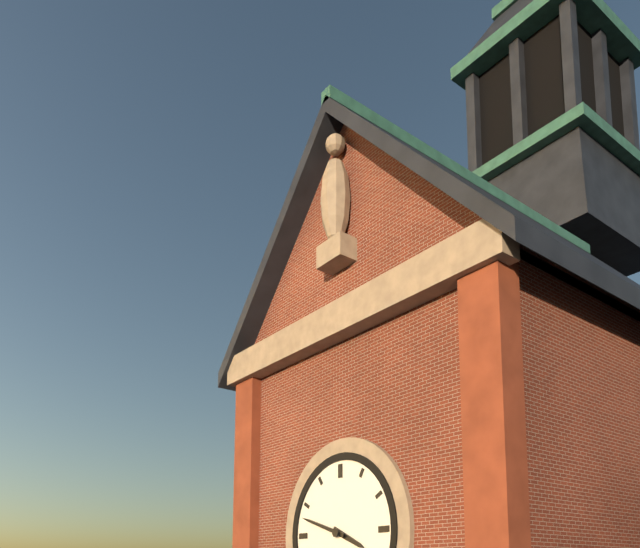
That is h=3 m=48
